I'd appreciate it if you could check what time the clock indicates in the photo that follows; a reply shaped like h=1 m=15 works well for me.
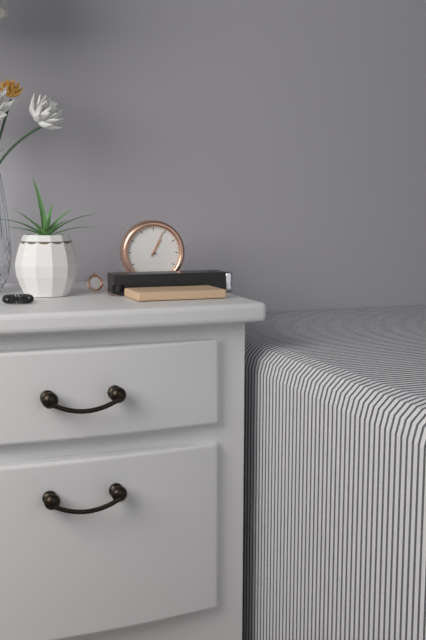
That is h=1 m=4
